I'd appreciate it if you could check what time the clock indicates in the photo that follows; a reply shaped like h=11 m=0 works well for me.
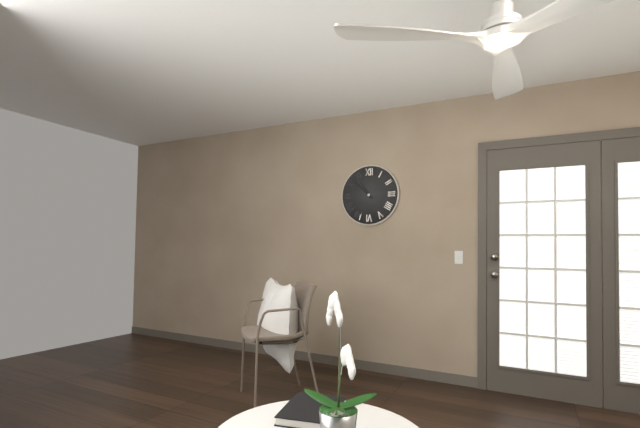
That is h=10 m=52
